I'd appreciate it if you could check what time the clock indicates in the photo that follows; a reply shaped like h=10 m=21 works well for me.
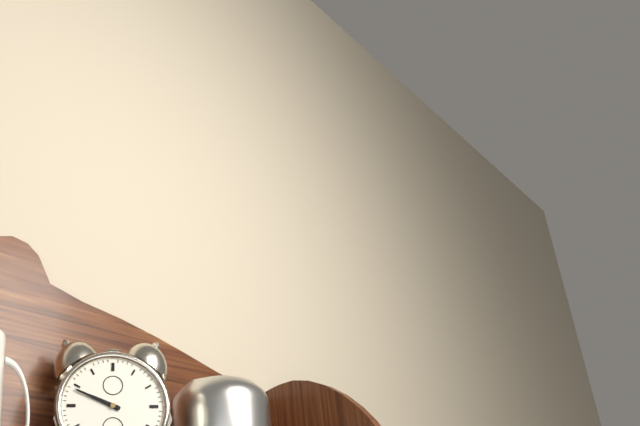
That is h=9 m=49
